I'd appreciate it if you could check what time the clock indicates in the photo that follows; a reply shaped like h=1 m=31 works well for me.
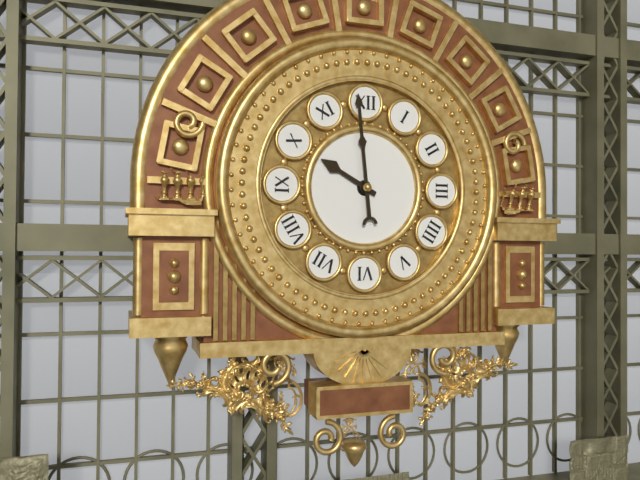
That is h=9 m=59
